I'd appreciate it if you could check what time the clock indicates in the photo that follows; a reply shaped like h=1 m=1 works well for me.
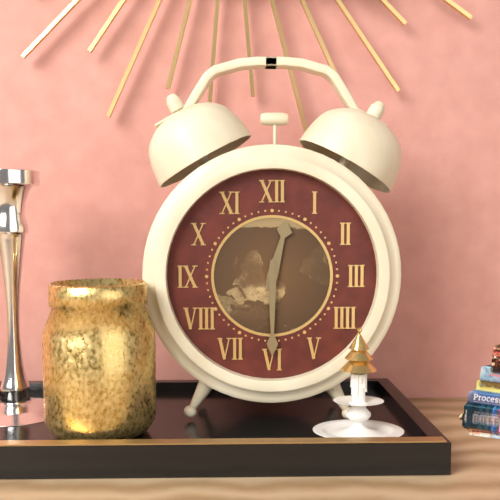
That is h=12 m=30
